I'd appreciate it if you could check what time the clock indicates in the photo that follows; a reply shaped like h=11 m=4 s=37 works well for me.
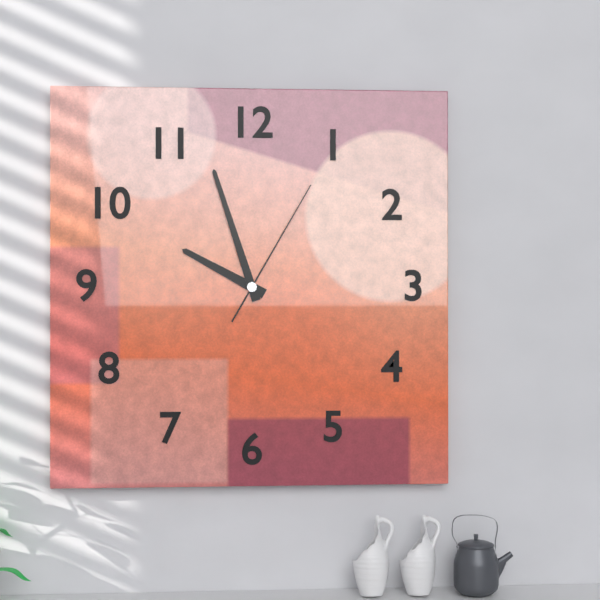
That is h=9 m=57 s=5
